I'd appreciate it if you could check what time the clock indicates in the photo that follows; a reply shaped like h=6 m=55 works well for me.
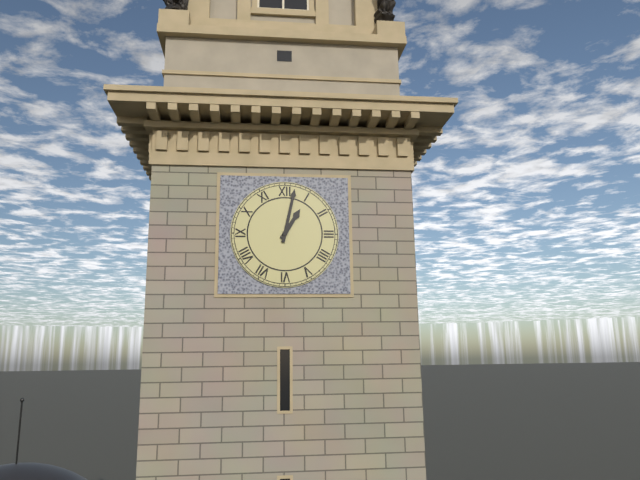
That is h=1 m=2
